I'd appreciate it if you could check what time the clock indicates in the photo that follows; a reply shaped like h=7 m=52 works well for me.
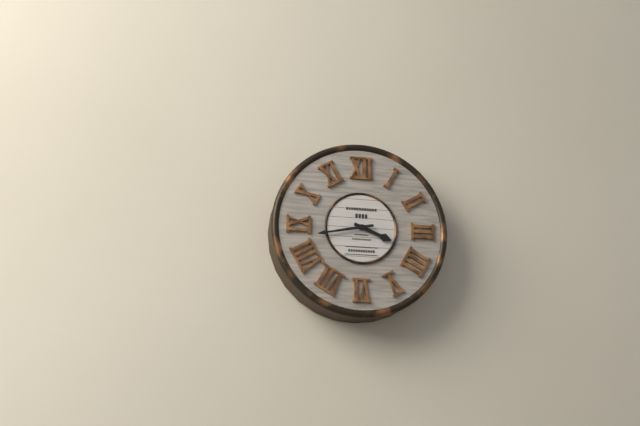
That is h=3 m=43
